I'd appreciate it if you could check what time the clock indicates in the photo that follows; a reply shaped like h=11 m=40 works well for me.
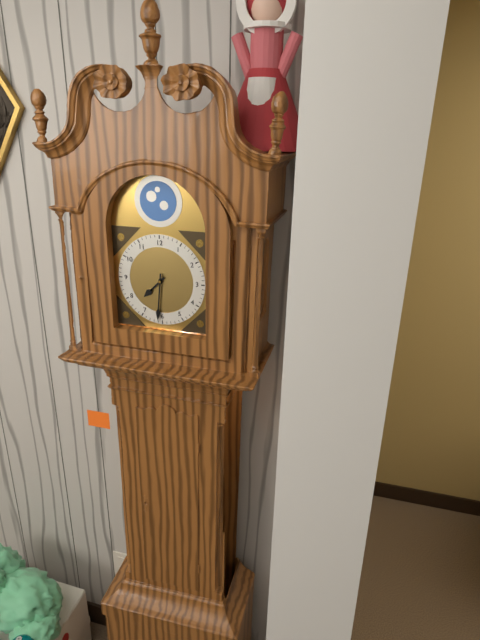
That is h=7 m=31
